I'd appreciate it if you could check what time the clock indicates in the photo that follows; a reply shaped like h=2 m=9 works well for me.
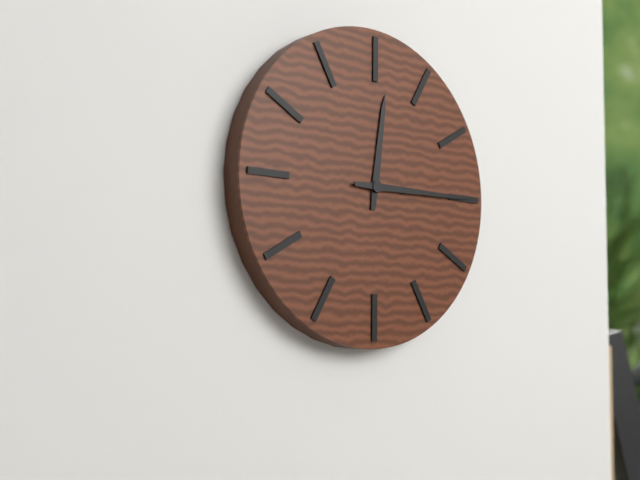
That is h=12 m=15
